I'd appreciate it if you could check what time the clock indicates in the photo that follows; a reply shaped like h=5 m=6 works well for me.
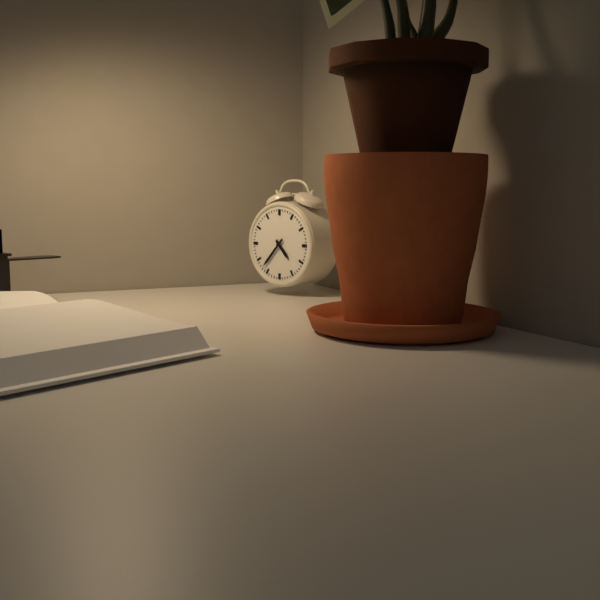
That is h=4 m=37
